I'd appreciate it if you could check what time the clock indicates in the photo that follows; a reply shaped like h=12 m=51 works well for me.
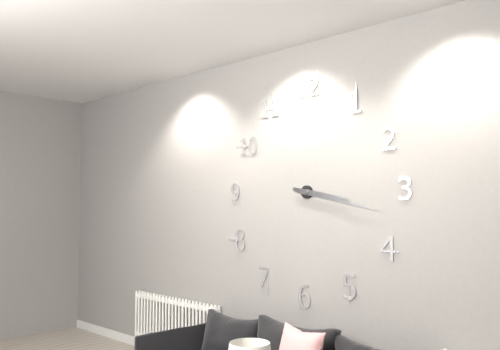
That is h=3 m=17
